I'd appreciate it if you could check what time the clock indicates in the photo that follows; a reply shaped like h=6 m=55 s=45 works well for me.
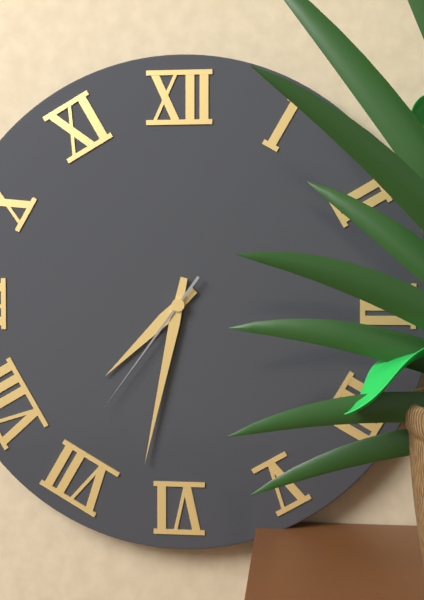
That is h=7 m=32 s=36
